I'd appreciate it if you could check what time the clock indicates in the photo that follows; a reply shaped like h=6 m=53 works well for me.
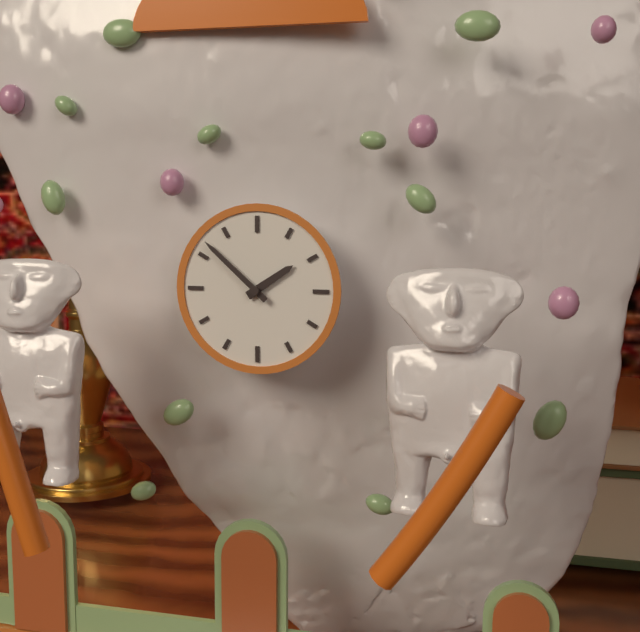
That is h=1 m=52
